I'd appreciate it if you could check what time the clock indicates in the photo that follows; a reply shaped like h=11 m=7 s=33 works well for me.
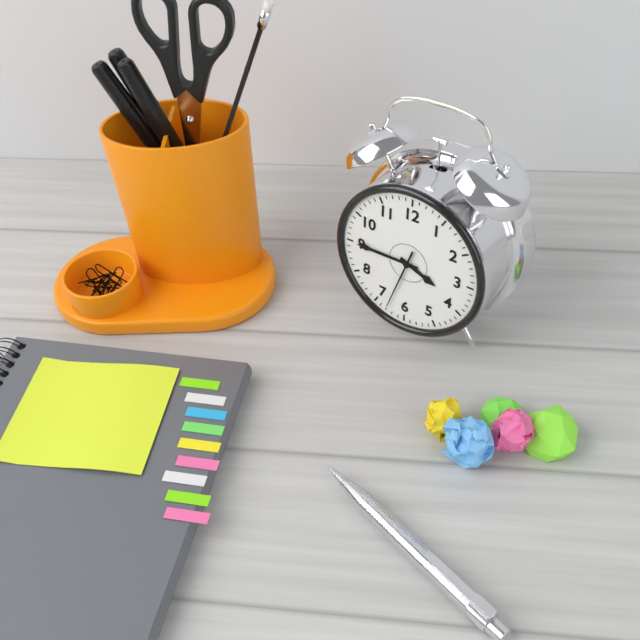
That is h=3 m=45 s=33
